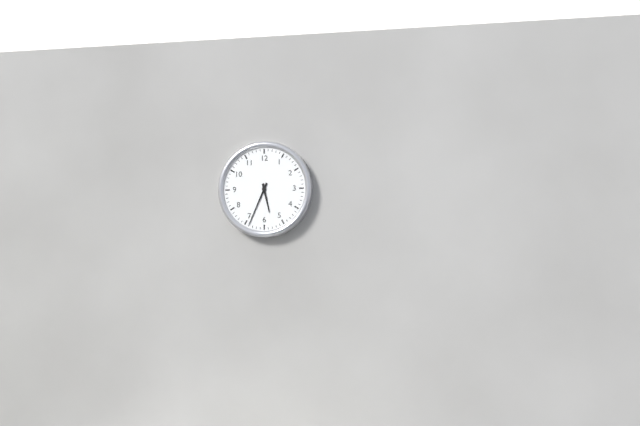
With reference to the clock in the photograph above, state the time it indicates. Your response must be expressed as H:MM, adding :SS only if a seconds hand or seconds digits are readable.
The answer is 5:34
